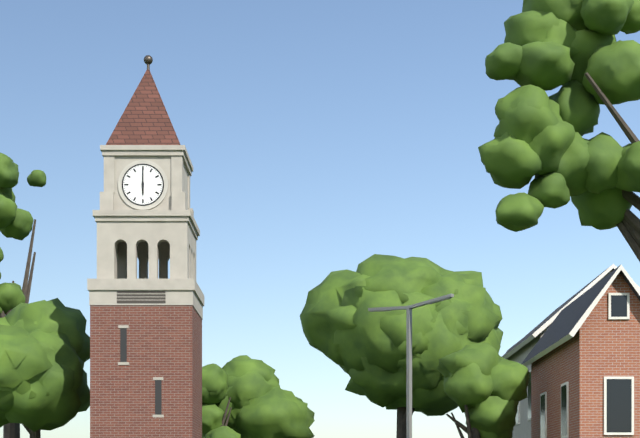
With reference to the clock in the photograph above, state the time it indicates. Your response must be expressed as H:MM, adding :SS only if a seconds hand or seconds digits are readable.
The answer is 6:00
